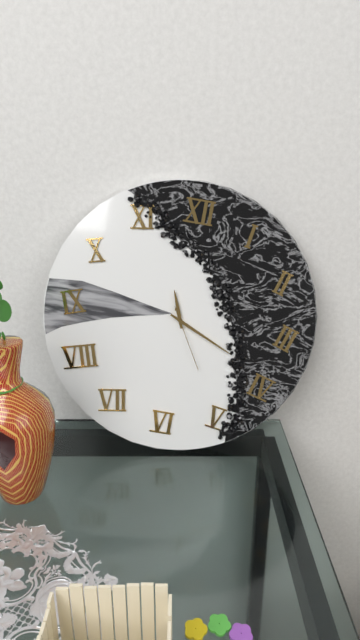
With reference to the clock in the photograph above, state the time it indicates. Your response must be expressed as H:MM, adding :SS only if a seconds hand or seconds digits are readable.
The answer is 11:19:25
